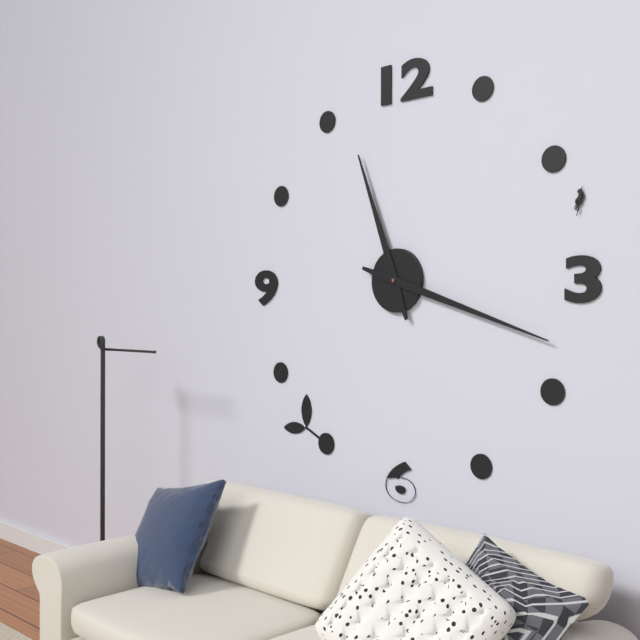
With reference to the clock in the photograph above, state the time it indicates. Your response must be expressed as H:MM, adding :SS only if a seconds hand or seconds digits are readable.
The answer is 11:18
